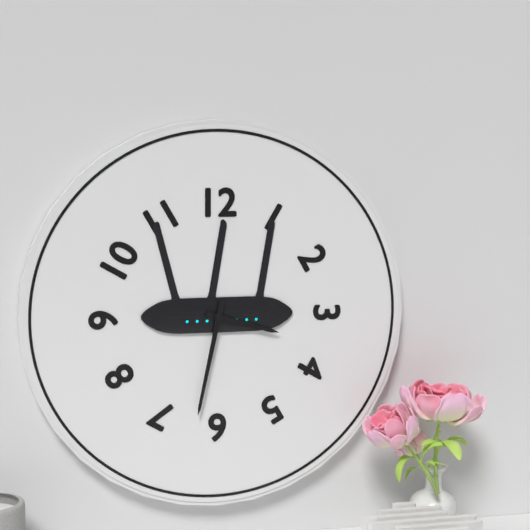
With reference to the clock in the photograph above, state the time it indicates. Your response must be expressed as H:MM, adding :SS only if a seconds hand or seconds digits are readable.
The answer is 3:32
